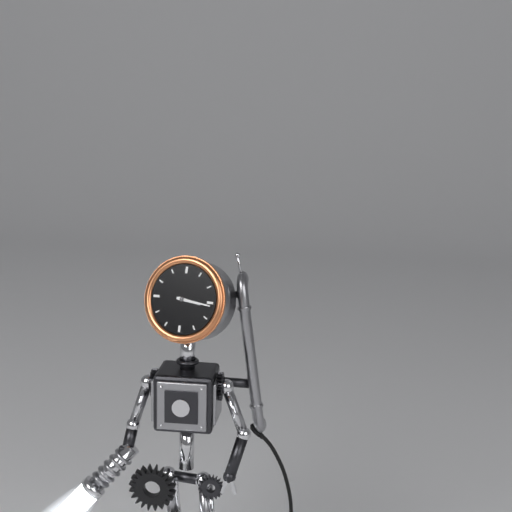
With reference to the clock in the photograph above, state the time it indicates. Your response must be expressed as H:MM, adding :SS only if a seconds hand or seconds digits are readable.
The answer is 3:16
